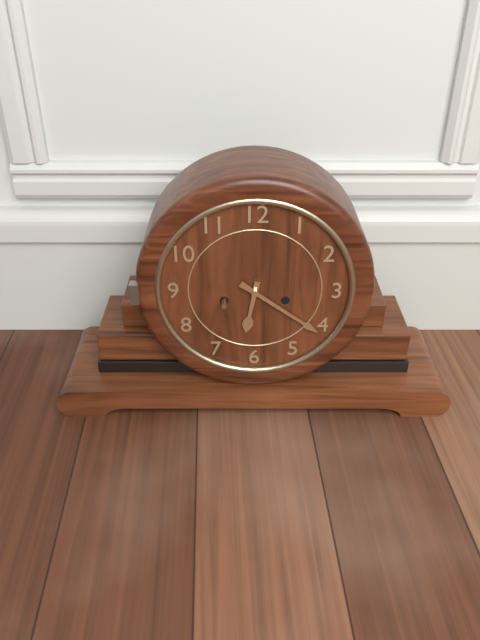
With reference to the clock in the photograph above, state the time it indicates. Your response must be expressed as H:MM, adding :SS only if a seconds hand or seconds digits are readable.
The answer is 6:21
